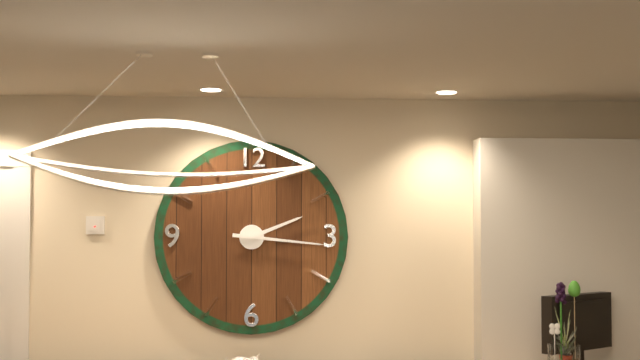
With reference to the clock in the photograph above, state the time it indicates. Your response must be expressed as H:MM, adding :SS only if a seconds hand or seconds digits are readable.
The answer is 2:16
